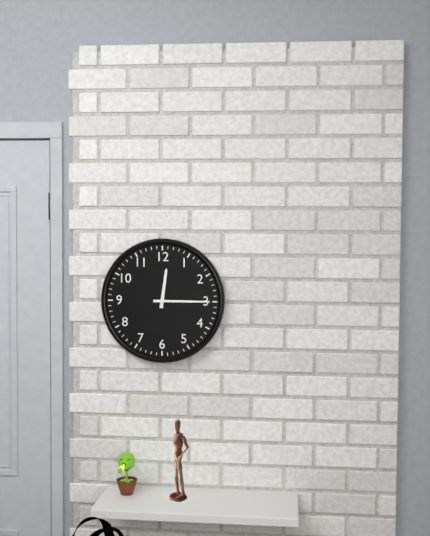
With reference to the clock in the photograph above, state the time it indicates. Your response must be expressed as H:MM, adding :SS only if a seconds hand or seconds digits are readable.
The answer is 12:15
